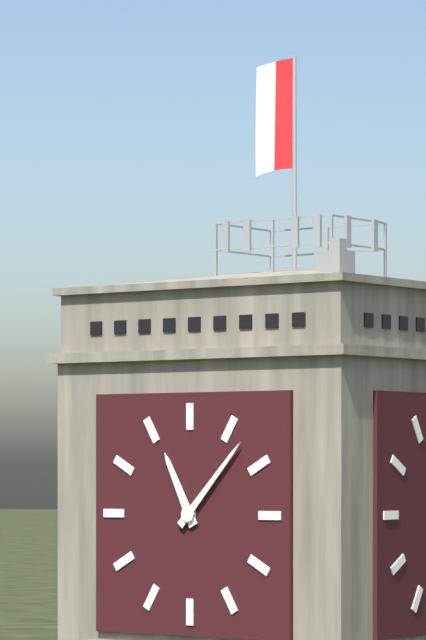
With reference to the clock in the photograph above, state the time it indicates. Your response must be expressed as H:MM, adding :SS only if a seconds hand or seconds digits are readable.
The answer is 11:07
